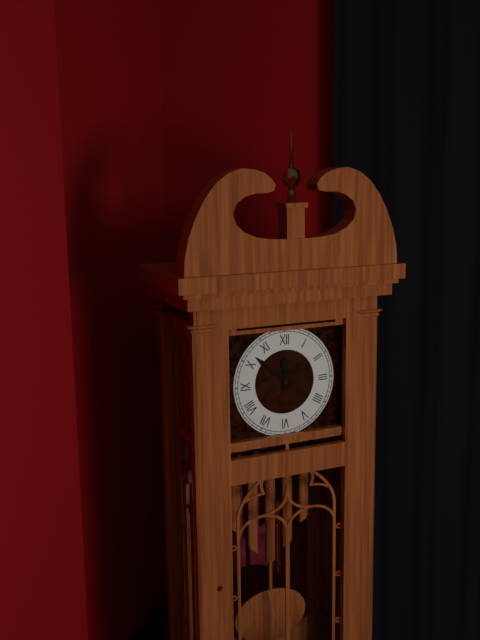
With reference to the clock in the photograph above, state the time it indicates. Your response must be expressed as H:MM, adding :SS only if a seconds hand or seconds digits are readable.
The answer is 11:52
